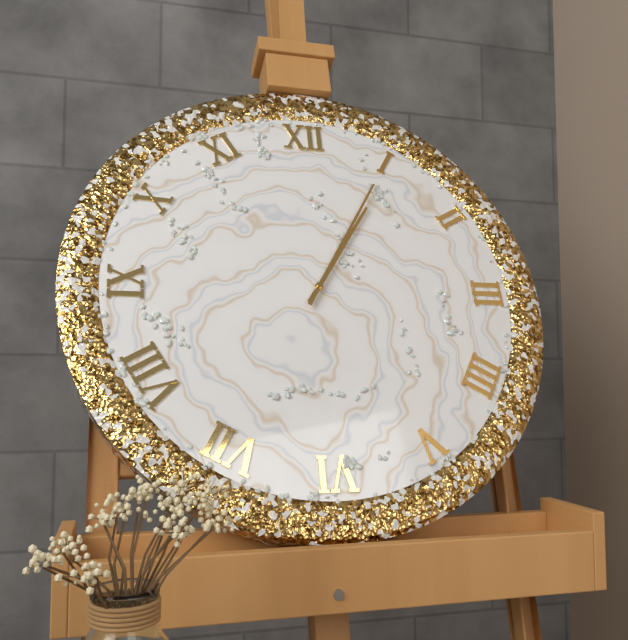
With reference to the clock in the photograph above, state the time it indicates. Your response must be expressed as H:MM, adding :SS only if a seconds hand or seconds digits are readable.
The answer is 1:05
